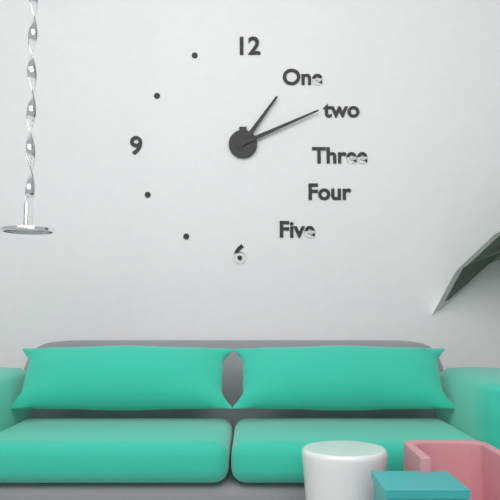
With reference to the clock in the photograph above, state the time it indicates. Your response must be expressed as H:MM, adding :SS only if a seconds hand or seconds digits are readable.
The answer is 1:11
